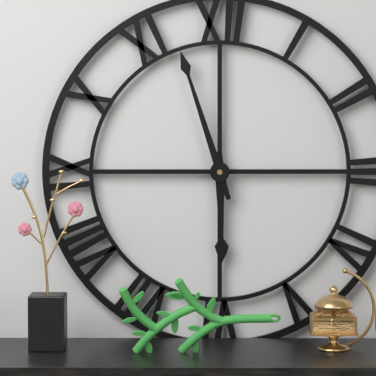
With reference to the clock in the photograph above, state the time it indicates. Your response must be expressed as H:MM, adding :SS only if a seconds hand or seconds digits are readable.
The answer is 5:57
